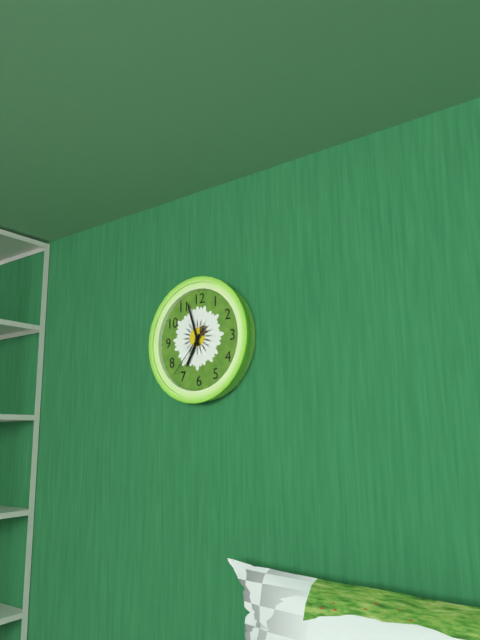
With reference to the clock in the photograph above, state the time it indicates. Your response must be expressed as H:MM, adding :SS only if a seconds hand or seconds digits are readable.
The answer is 6:57:37
